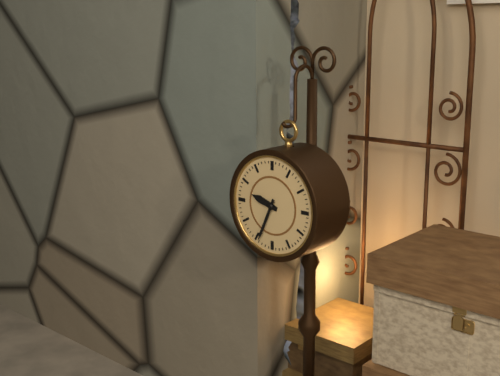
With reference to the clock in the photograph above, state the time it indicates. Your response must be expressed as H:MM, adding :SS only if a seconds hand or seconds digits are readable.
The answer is 9:34
